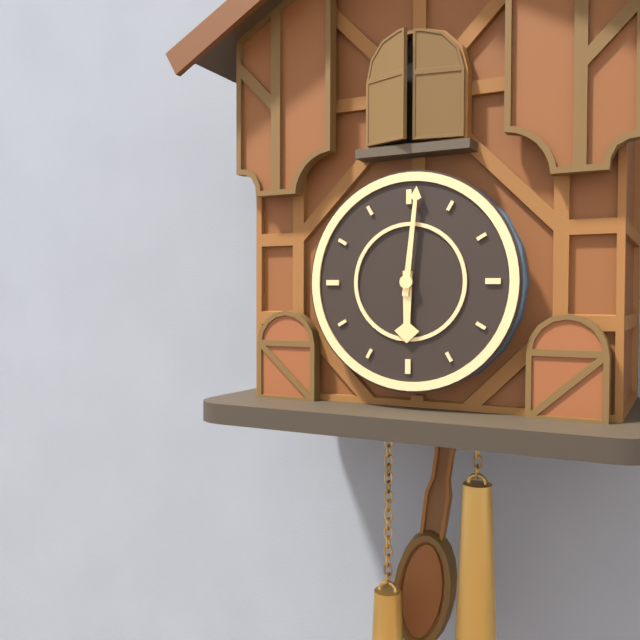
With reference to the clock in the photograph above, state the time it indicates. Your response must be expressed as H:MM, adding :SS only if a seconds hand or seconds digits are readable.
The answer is 6:01
